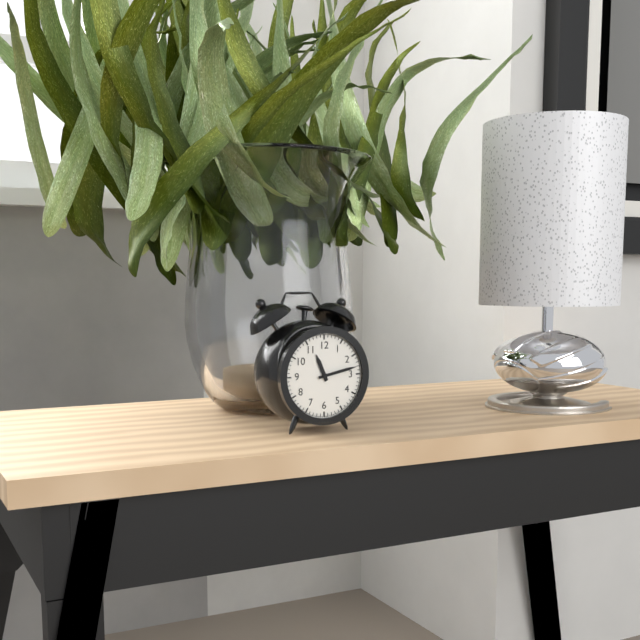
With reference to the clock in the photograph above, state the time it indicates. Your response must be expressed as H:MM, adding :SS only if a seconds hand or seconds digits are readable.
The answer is 11:13
